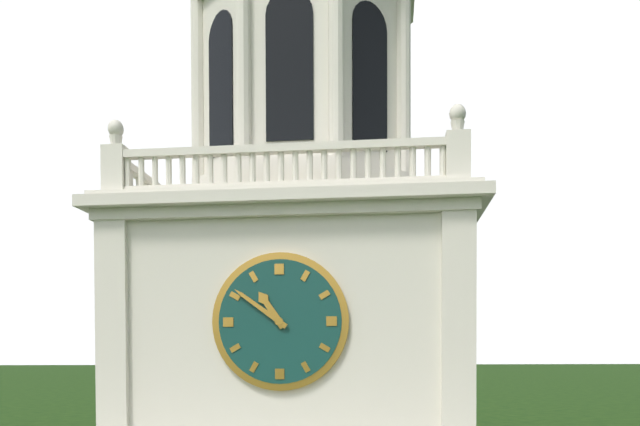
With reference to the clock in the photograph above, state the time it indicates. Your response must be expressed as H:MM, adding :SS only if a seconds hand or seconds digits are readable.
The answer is 10:51
